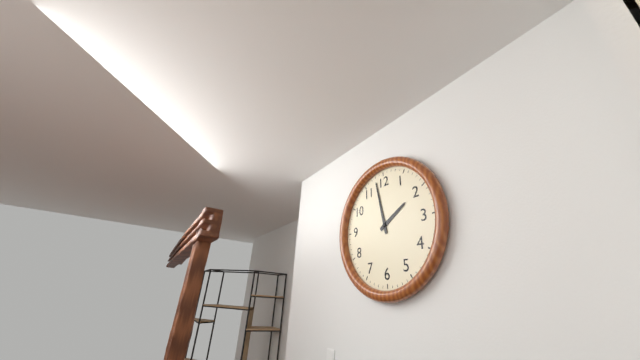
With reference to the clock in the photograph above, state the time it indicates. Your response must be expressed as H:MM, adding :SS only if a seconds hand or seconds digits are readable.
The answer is 1:58
